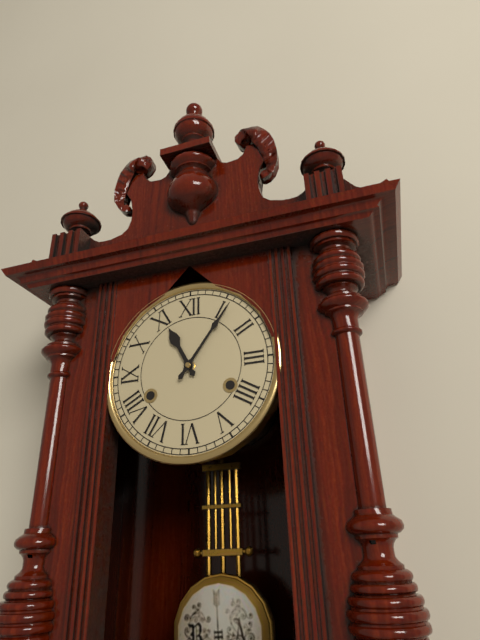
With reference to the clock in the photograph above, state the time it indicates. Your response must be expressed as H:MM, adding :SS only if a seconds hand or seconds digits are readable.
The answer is 11:06
